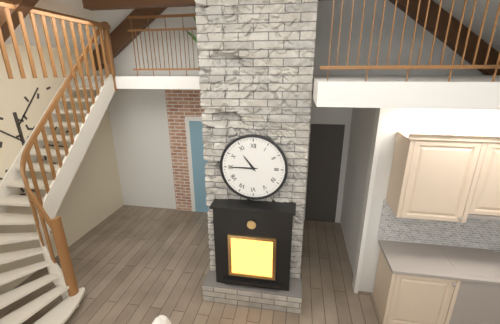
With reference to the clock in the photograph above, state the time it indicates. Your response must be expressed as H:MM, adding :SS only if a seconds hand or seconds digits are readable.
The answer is 10:45
